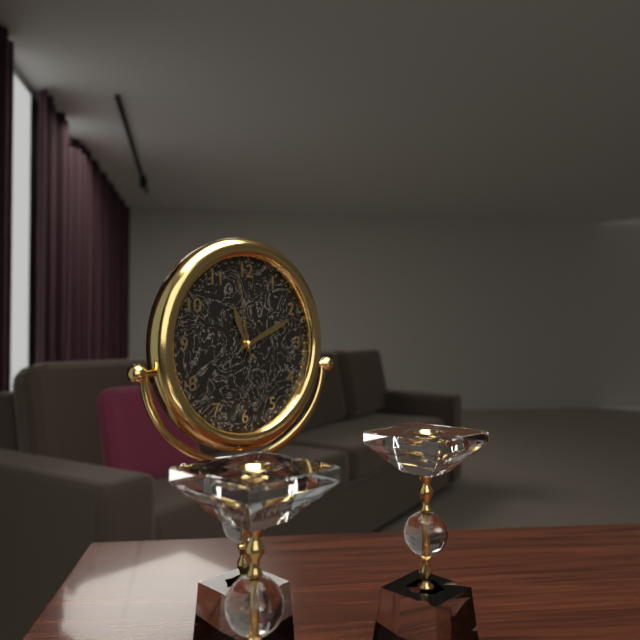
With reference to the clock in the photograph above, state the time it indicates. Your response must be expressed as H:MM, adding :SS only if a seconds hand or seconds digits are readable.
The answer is 11:11:58
